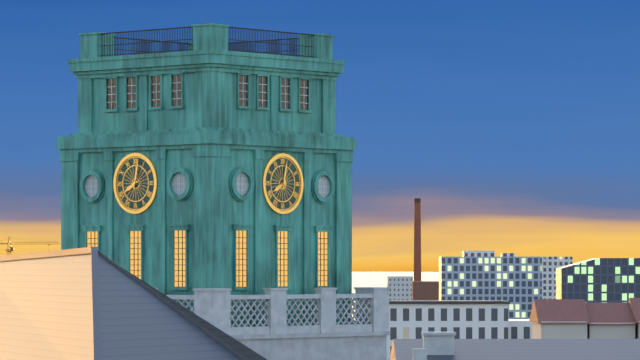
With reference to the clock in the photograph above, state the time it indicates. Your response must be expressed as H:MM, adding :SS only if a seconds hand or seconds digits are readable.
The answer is 8:02
